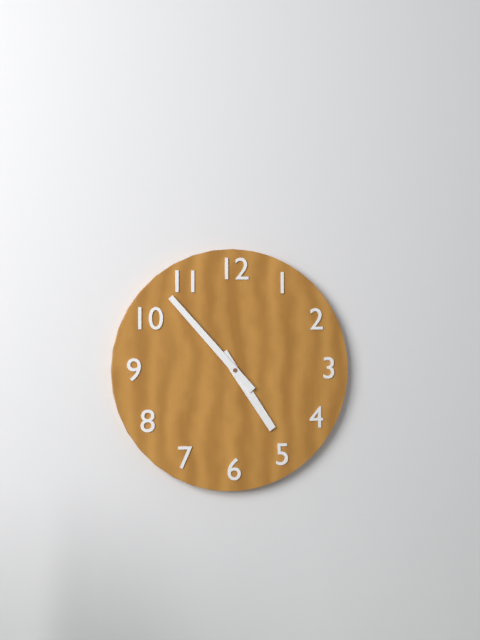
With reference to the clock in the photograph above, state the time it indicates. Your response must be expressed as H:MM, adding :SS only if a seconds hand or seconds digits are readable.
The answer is 4:53
